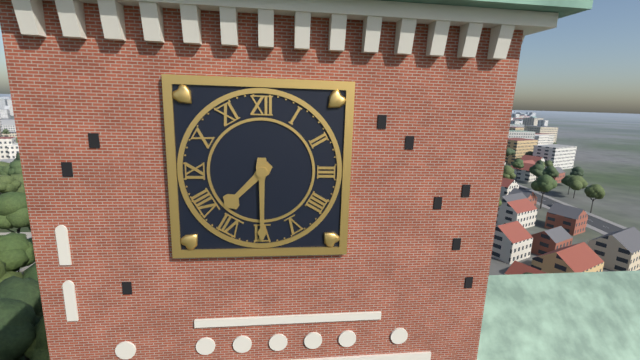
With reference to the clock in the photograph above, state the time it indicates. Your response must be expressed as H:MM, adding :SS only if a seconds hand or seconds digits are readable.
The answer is 7:30
